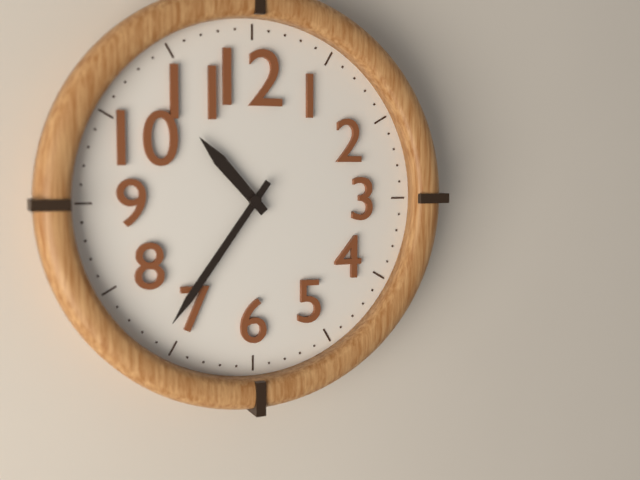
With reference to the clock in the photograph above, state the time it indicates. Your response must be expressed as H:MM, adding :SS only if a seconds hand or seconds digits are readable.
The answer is 10:36
